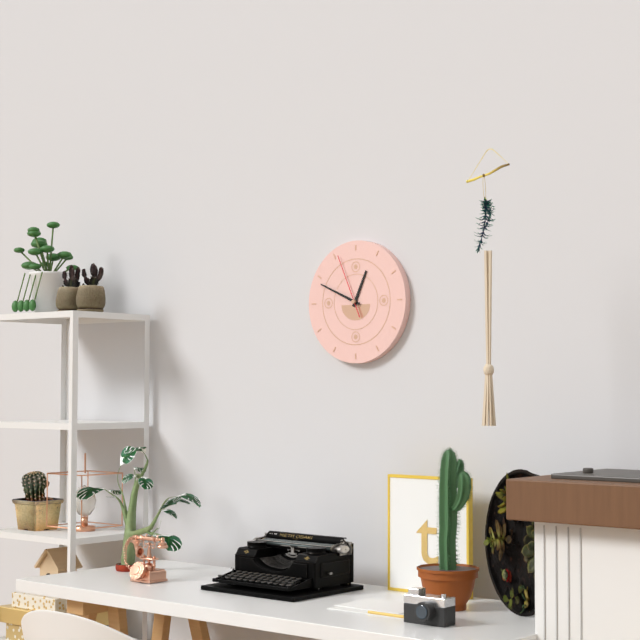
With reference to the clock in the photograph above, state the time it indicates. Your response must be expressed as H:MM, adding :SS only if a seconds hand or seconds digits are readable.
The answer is 12:49:56
